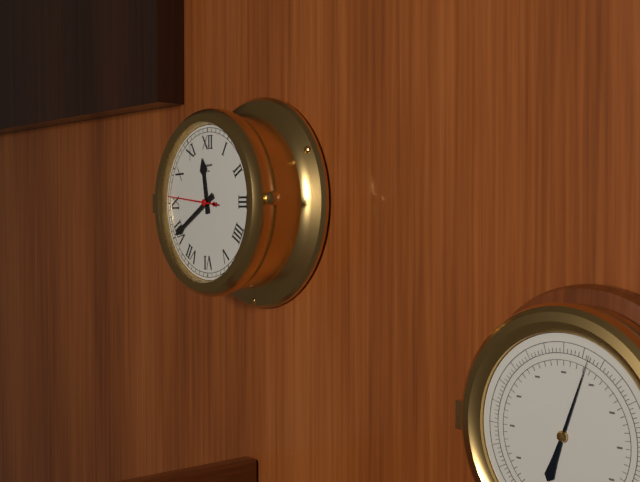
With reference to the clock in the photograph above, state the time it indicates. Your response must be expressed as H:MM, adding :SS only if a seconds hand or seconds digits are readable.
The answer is 11:40:46
